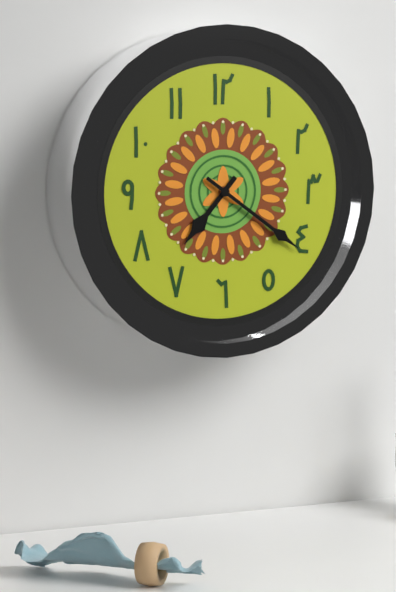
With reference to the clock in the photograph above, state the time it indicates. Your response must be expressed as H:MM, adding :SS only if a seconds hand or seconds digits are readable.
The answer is 7:21
